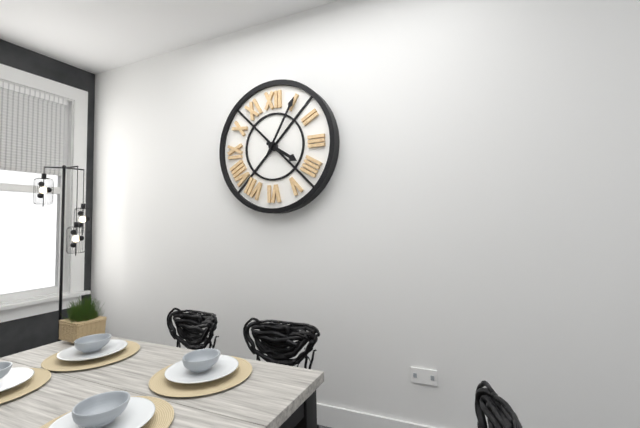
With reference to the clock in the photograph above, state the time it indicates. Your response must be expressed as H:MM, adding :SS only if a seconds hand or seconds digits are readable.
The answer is 4:05
